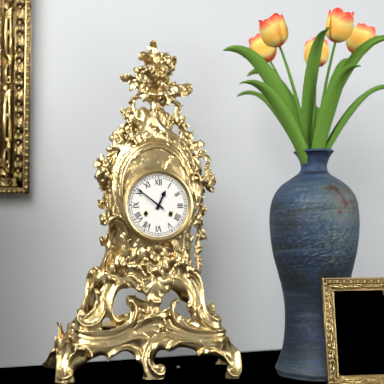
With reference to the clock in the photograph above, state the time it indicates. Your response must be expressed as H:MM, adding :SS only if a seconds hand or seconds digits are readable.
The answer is 12:51
